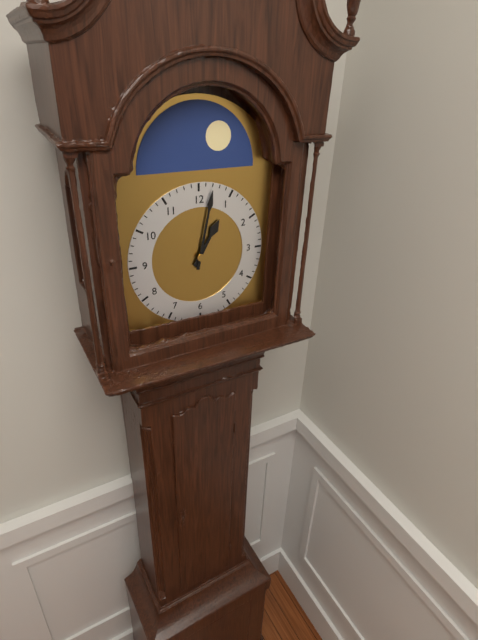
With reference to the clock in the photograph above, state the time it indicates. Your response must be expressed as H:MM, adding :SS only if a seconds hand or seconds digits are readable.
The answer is 1:02
